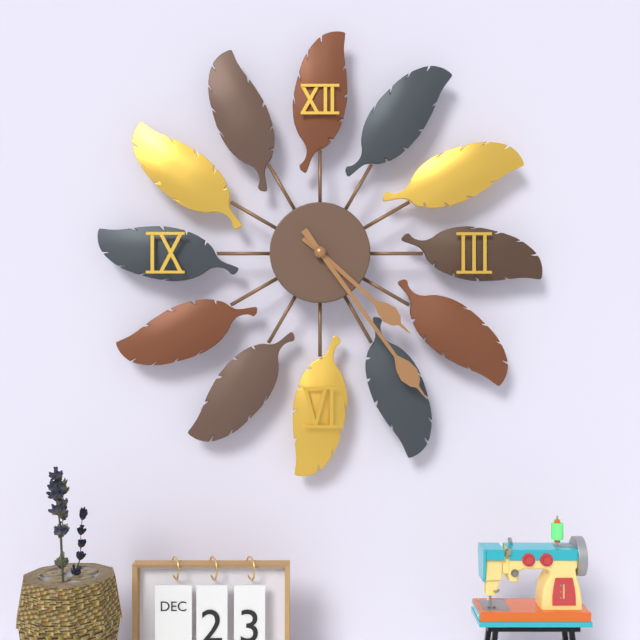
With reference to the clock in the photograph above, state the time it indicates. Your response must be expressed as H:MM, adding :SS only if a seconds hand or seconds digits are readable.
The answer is 4:24
